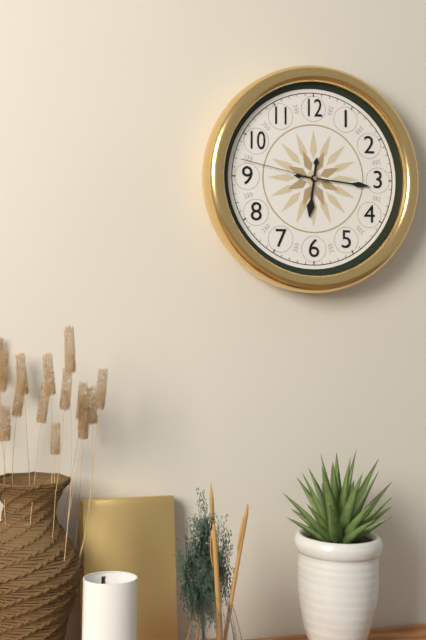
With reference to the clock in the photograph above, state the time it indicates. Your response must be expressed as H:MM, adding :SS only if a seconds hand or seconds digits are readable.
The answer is 6:16:47
